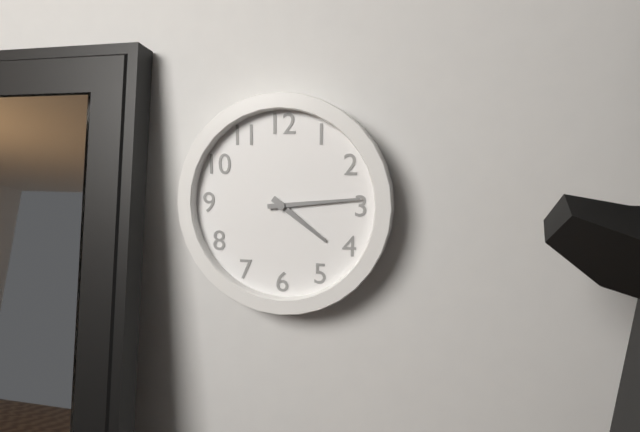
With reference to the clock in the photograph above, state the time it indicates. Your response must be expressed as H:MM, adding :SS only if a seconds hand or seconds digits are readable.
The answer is 4:14
